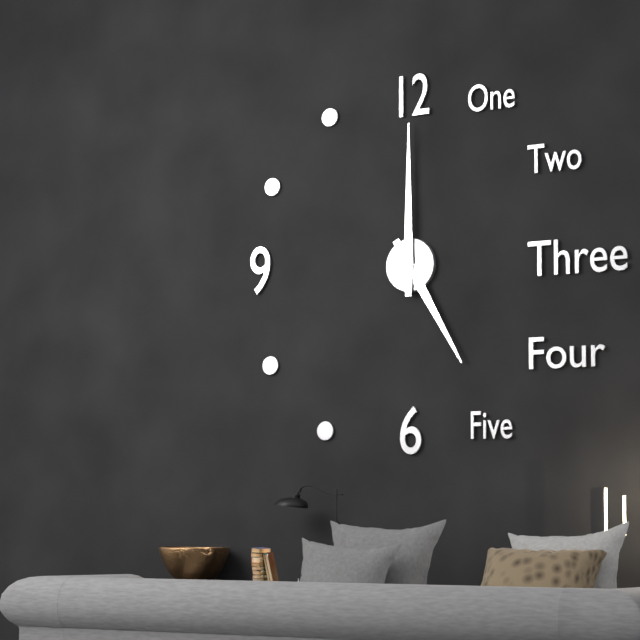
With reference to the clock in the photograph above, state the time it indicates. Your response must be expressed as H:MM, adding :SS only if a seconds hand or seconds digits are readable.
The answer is 5:00
